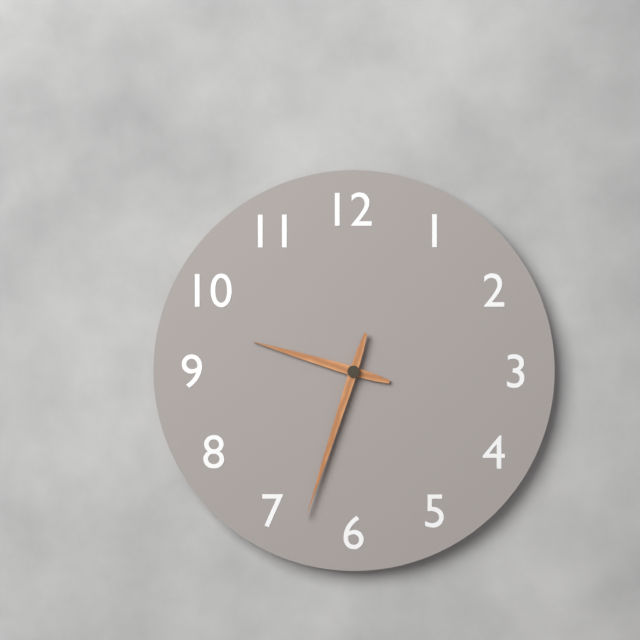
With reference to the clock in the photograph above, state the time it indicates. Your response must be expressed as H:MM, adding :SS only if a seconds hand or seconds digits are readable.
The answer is 9:33
